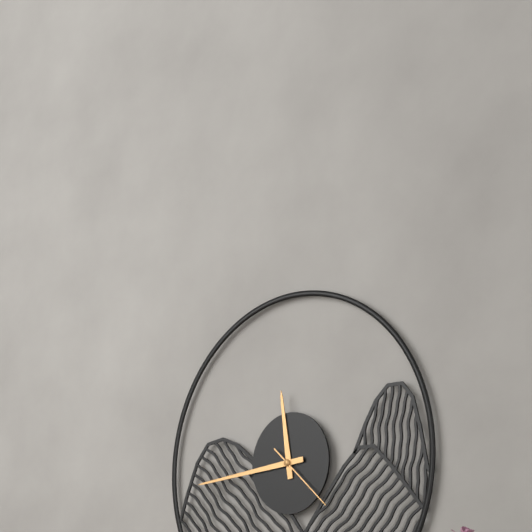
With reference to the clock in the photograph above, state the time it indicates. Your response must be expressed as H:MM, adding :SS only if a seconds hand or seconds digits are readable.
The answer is 11:44:22
